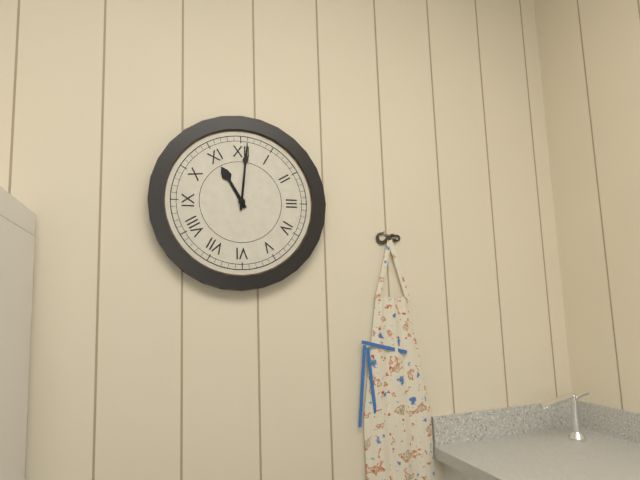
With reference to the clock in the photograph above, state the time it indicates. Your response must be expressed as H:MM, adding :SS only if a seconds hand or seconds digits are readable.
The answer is 11:01
